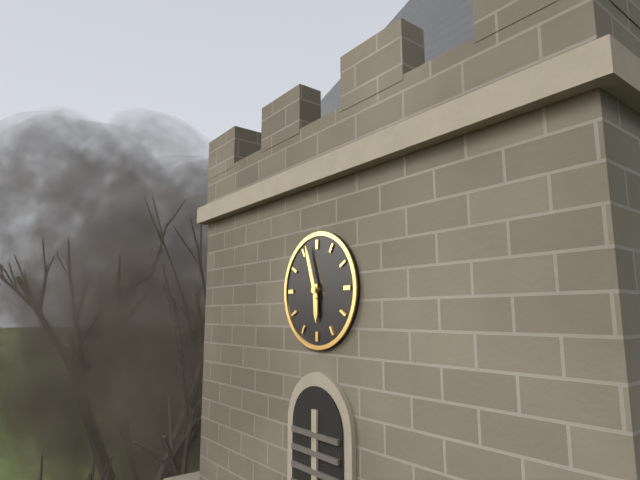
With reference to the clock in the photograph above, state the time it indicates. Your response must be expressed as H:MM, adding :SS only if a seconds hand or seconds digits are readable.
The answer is 5:57
